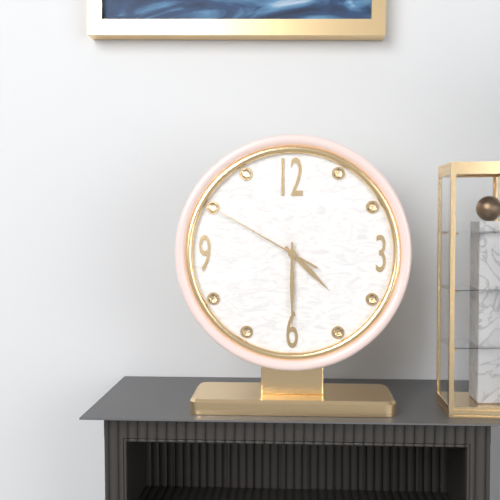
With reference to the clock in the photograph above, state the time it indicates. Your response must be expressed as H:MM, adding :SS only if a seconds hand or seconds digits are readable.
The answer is 4:30:50
